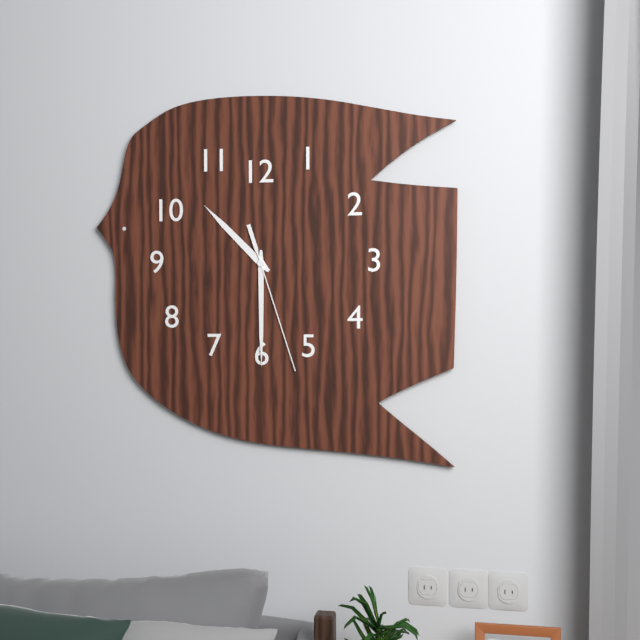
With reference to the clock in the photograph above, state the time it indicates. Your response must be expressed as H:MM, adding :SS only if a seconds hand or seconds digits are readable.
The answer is 10:30:27
